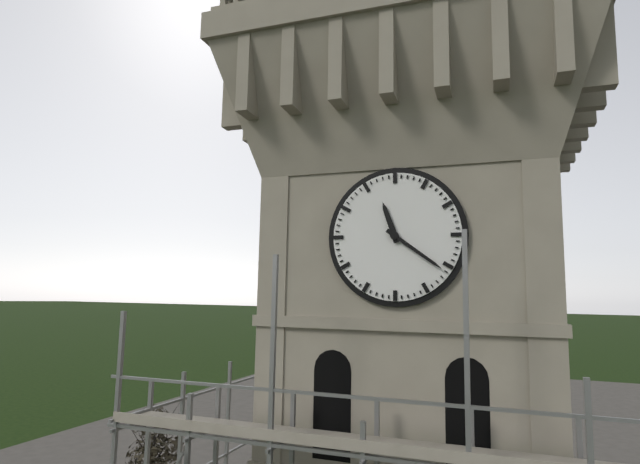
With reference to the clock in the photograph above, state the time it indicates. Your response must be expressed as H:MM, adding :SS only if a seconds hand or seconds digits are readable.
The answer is 11:21
